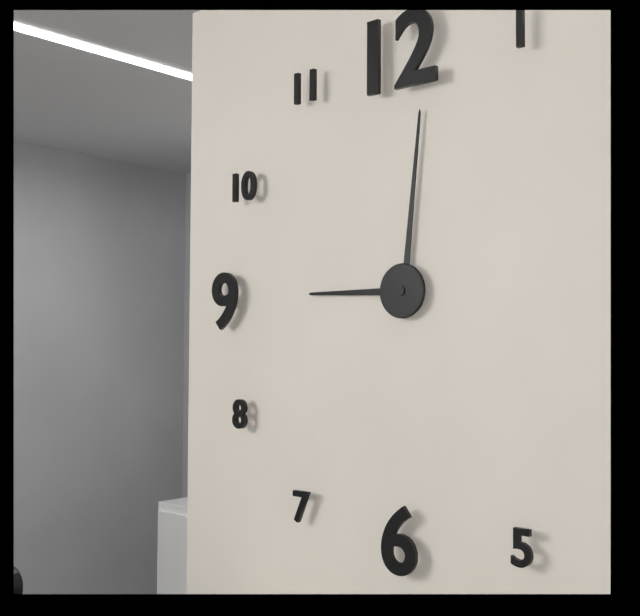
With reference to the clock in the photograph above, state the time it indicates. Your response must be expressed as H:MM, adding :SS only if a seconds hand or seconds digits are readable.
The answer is 9:01
